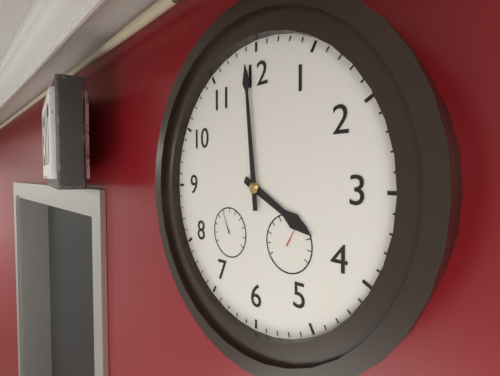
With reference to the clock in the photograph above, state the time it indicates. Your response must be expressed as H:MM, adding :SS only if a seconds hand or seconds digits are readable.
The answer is 3:59
